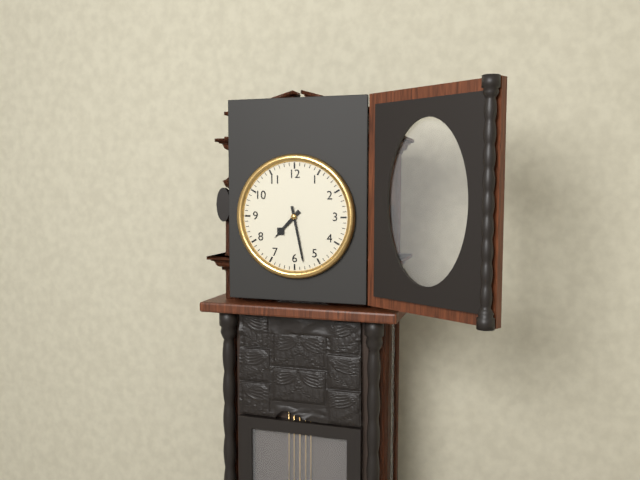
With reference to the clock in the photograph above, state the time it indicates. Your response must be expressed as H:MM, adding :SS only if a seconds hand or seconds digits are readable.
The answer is 7:28
